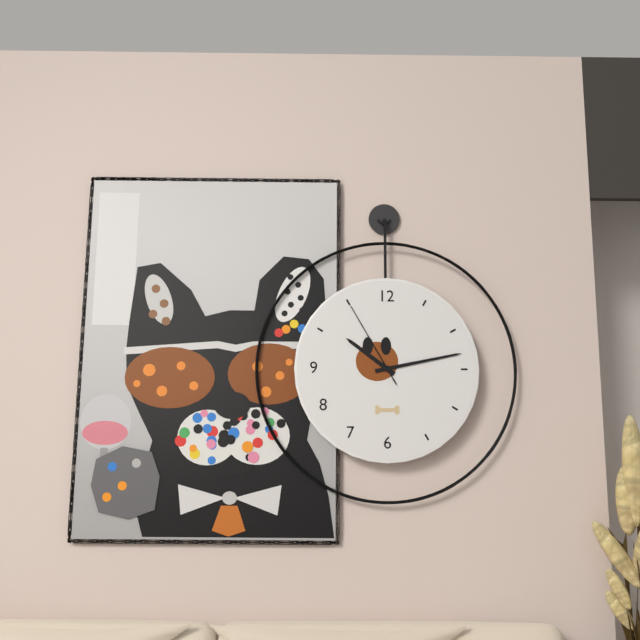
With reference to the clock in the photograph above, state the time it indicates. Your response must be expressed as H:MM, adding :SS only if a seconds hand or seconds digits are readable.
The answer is 10:13:55
